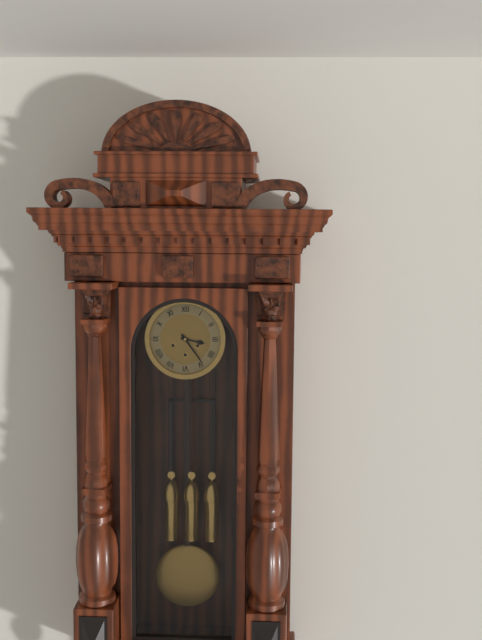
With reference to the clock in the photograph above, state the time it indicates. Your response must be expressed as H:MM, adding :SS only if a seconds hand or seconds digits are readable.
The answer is 3:24
